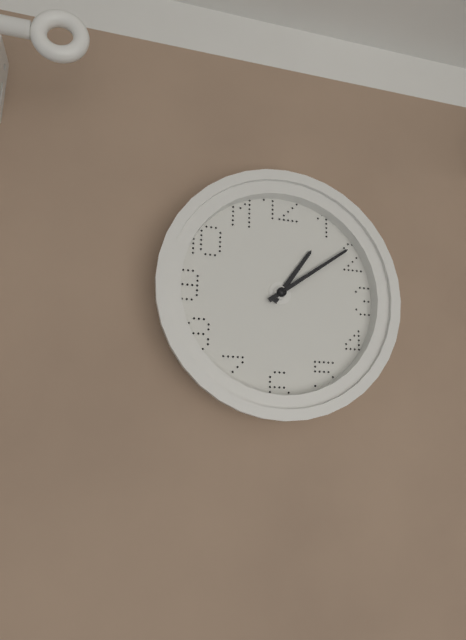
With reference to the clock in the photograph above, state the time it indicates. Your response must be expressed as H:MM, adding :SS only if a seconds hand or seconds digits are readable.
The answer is 1:09
